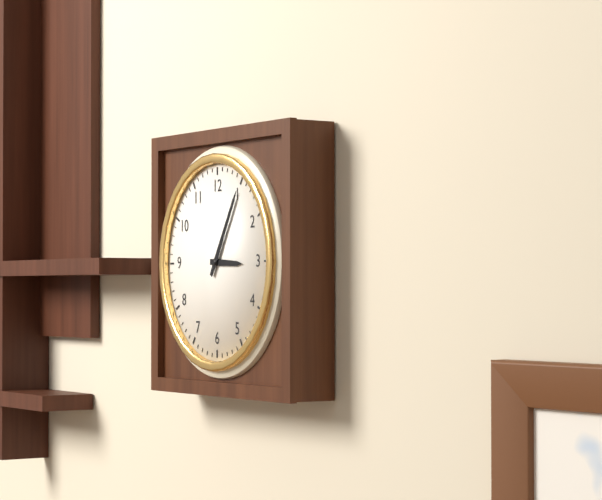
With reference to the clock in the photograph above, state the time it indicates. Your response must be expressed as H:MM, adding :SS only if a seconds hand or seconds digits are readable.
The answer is 3:05
